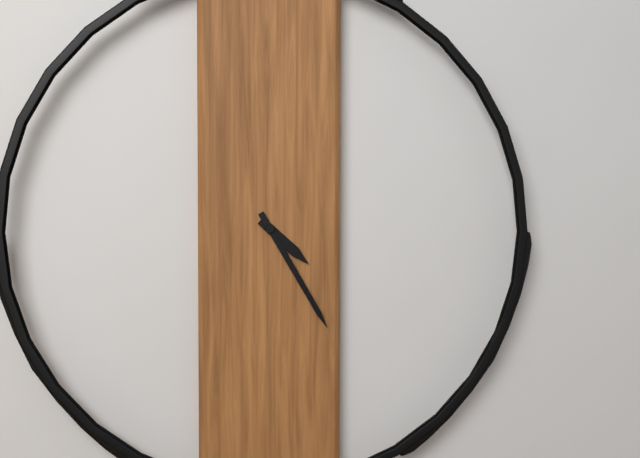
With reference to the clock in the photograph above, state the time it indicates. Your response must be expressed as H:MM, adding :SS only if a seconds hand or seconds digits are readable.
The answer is 4:25
